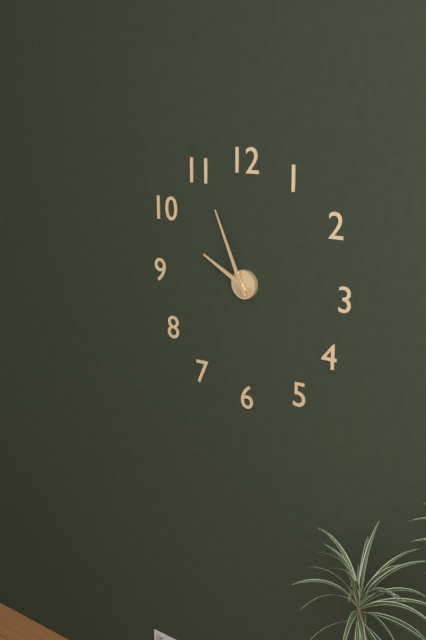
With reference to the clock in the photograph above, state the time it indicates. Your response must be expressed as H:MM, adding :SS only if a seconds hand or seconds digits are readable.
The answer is 9:56
